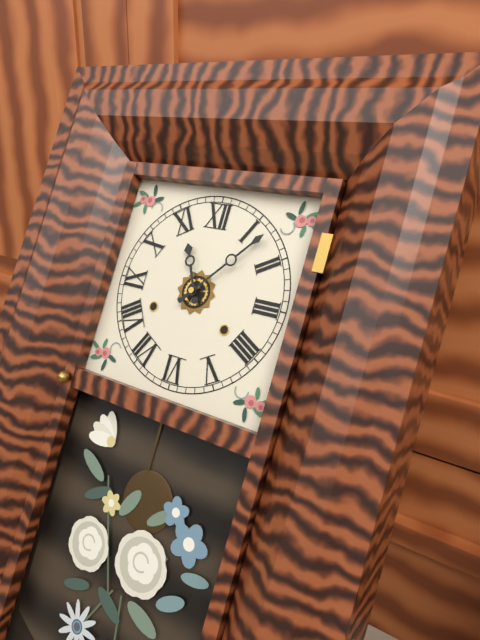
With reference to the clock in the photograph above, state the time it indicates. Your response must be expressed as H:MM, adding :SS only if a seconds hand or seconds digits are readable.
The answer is 11:07
